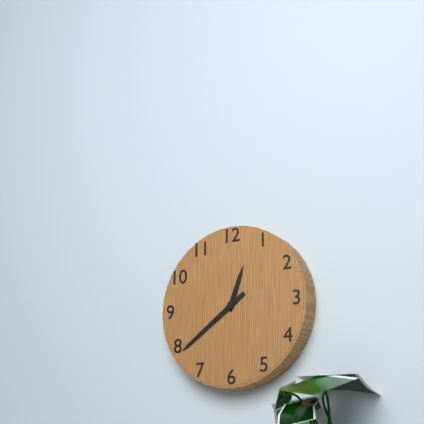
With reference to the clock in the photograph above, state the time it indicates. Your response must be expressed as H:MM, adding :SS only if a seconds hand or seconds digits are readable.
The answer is 12:39
